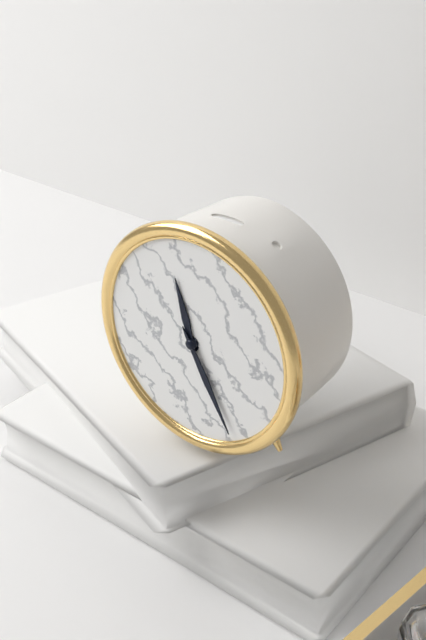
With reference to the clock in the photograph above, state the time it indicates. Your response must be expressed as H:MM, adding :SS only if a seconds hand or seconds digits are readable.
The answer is 11:25
